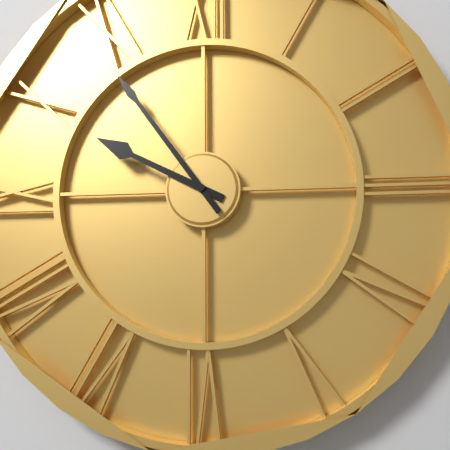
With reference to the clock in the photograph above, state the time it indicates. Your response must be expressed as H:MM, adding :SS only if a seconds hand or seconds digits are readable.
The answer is 9:54
